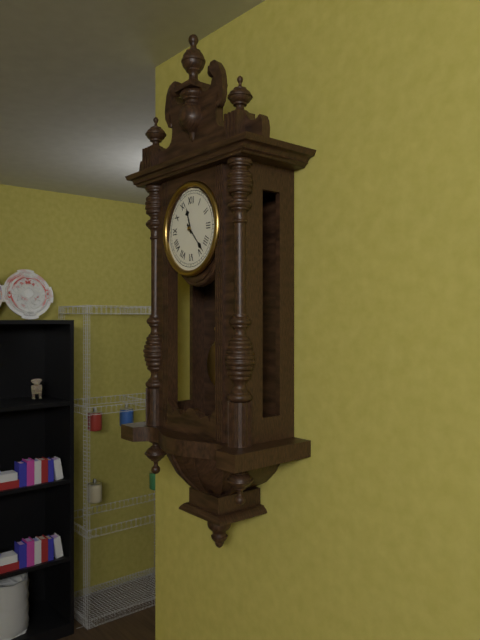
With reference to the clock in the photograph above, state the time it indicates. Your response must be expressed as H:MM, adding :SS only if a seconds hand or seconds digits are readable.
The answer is 11:23
